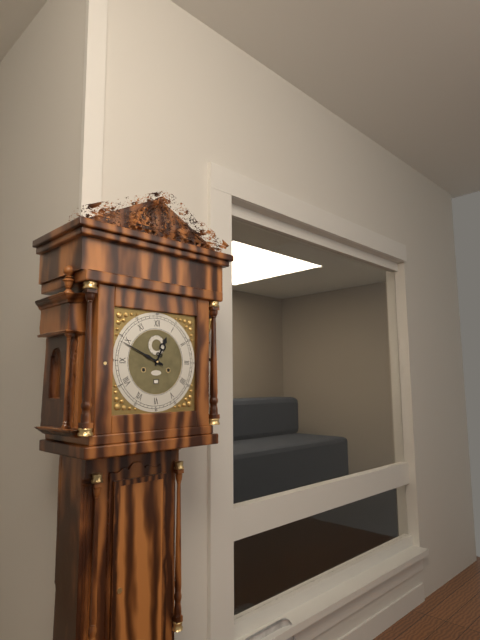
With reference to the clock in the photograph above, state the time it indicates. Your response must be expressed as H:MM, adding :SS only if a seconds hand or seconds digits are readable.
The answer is 12:49
